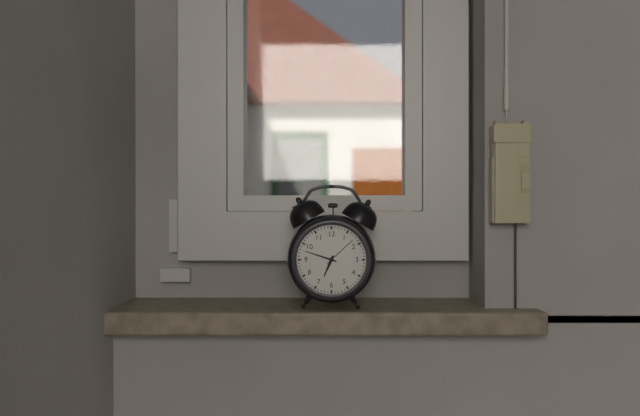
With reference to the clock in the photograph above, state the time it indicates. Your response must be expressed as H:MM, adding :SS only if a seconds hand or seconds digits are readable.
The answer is 6:48
